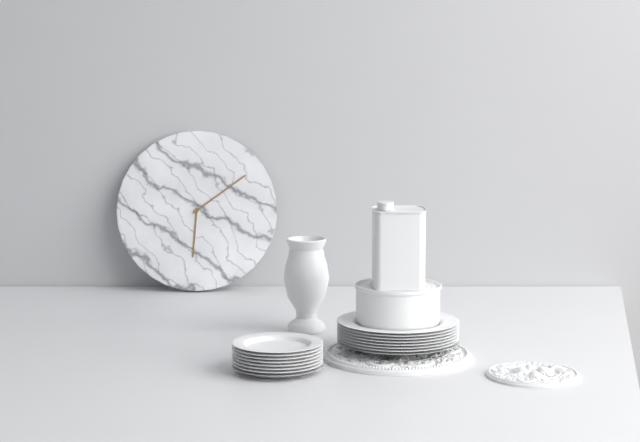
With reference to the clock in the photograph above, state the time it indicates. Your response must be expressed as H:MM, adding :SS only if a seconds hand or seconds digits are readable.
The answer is 6:09
